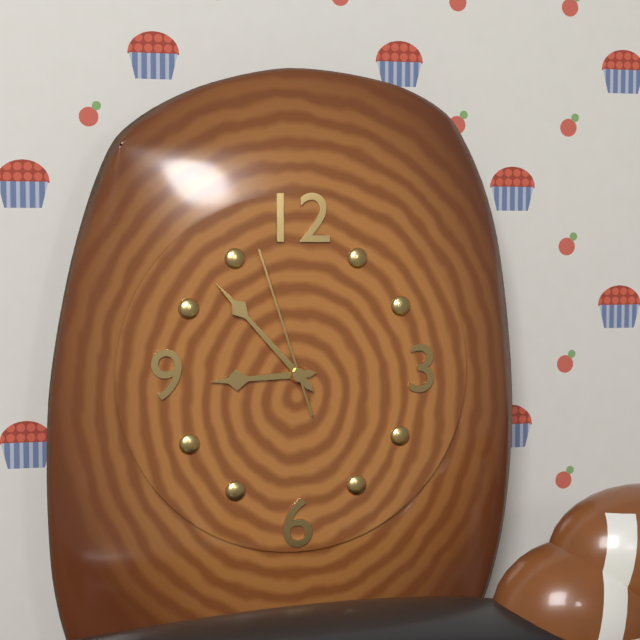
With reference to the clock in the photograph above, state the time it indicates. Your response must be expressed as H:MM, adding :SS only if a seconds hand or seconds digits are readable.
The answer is 8:53:57
